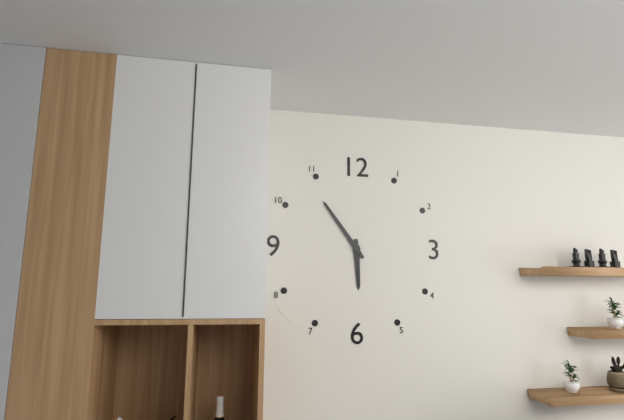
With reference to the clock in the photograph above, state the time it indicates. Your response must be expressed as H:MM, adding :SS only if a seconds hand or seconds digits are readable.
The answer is 5:54
